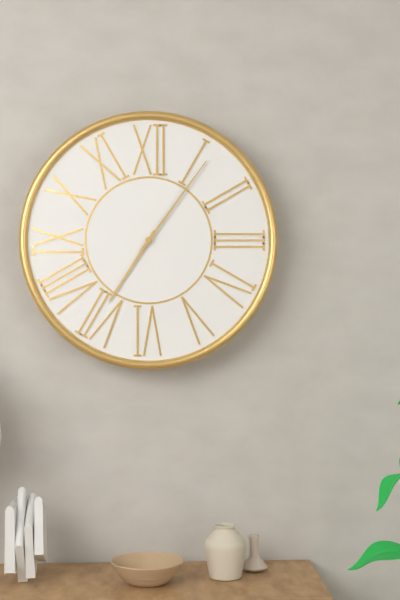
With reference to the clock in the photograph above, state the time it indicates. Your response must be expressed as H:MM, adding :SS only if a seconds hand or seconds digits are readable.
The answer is 7:06
